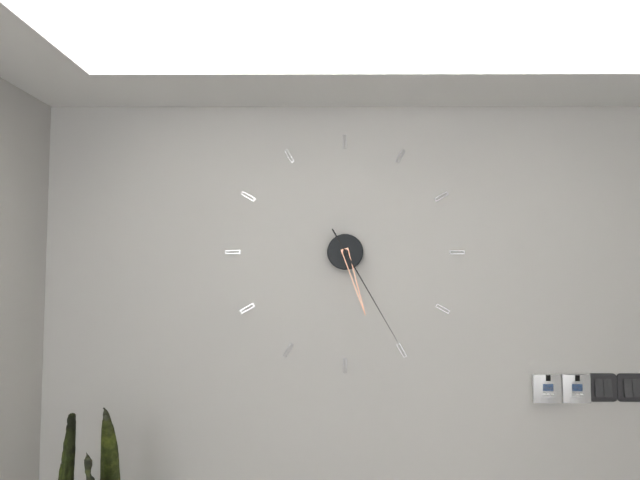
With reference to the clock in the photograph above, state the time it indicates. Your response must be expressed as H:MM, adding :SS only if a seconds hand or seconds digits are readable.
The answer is 5:25
